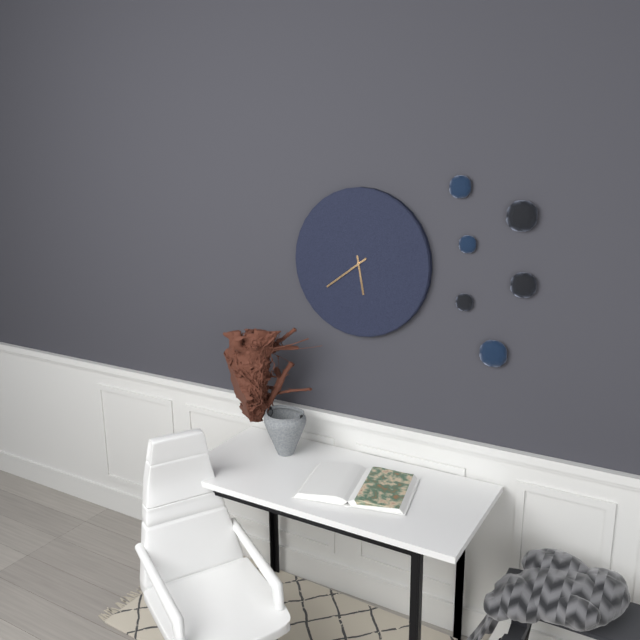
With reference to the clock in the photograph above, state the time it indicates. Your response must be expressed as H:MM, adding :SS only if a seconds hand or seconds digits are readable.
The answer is 5:39
